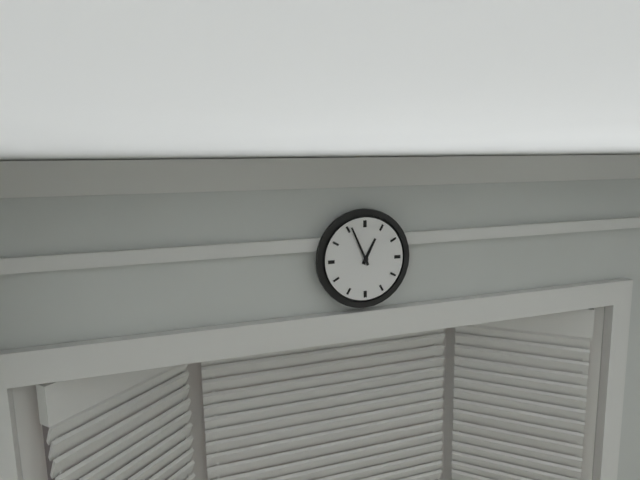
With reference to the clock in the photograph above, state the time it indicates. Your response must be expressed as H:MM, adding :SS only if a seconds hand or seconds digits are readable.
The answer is 12:56
